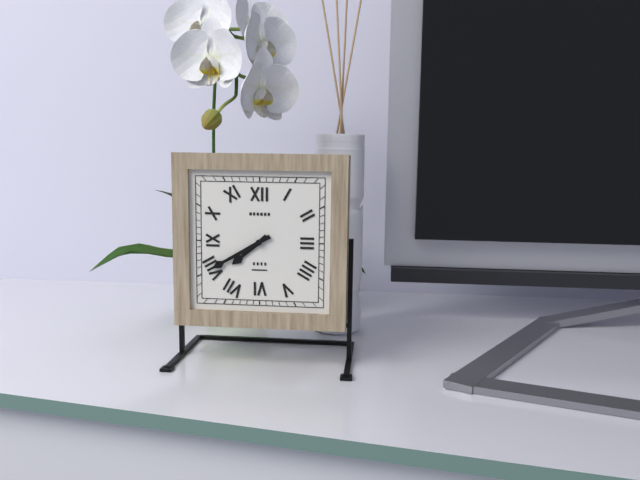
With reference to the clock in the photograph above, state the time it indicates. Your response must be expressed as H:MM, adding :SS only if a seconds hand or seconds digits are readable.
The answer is 7:40
